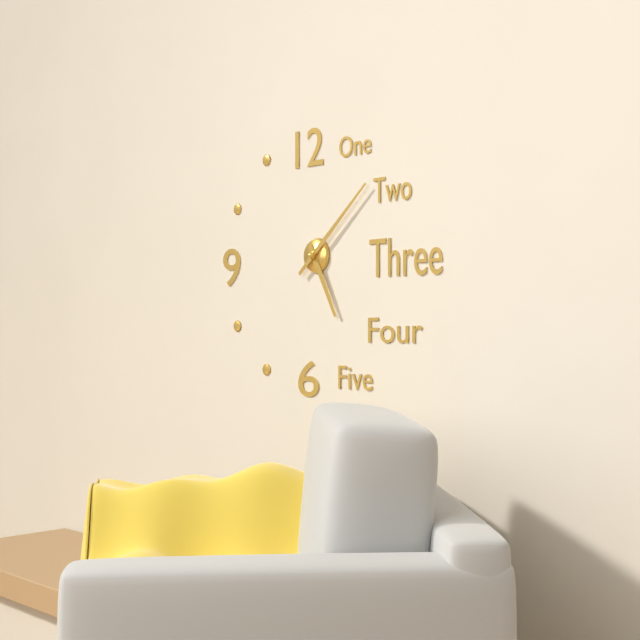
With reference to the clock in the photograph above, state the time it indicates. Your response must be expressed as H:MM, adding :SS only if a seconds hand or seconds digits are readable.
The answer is 5:08
